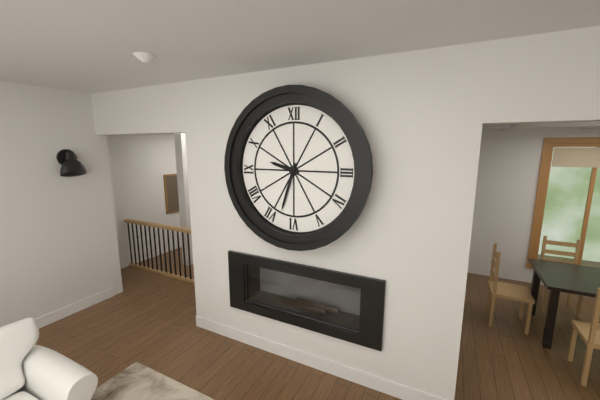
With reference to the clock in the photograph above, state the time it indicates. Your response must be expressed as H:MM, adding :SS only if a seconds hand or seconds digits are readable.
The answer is 9:33
